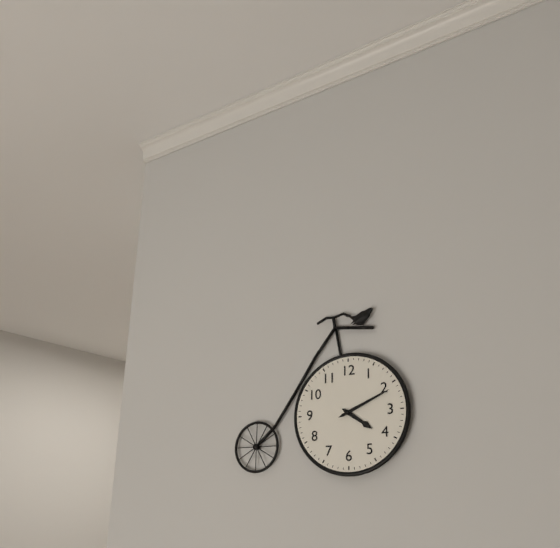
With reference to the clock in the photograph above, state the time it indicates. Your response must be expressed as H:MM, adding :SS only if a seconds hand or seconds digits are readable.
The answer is 4:11
